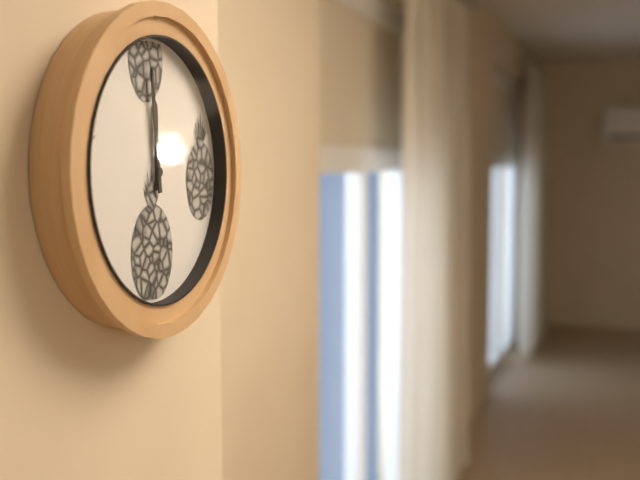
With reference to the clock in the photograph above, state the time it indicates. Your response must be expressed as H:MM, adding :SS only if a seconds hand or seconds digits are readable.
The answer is 11:59
